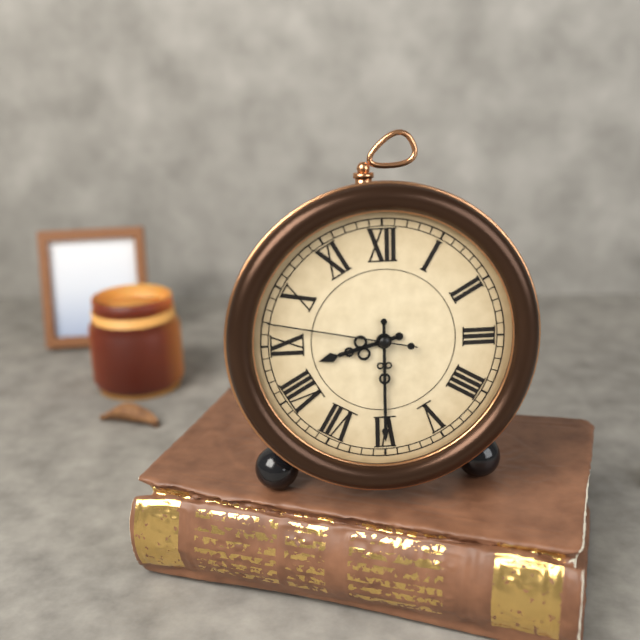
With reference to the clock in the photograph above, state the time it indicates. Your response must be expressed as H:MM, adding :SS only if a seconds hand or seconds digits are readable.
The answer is 8:30:47
